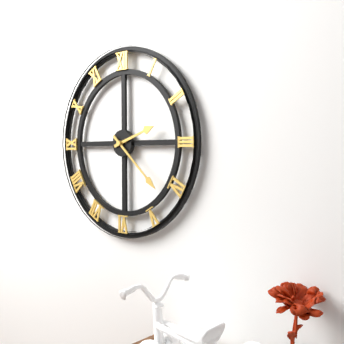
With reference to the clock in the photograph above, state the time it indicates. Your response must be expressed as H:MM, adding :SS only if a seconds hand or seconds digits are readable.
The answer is 2:22
